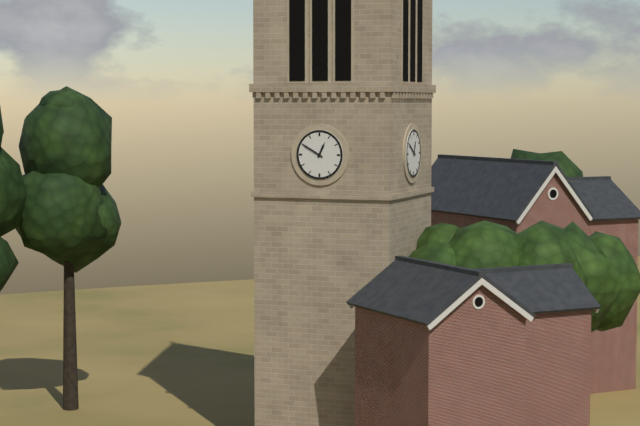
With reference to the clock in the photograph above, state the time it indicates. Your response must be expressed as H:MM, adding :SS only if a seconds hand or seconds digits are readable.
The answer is 12:50
